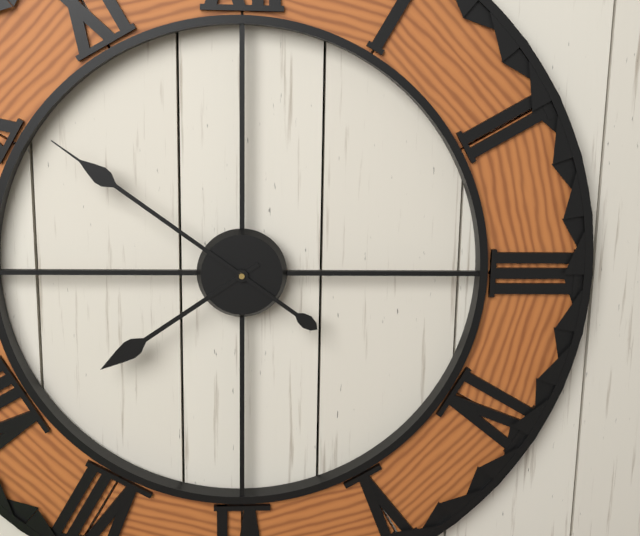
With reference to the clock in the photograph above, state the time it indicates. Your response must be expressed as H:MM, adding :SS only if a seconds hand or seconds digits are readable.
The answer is 7:51
